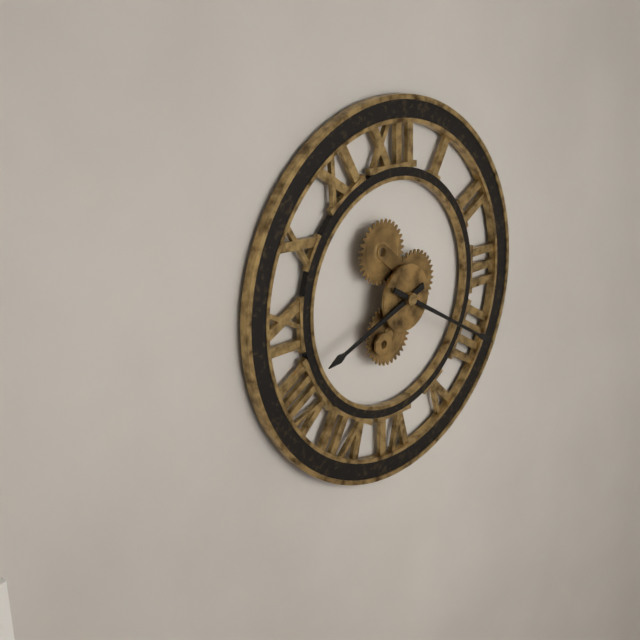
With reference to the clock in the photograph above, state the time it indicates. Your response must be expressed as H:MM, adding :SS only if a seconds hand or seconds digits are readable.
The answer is 8:20
